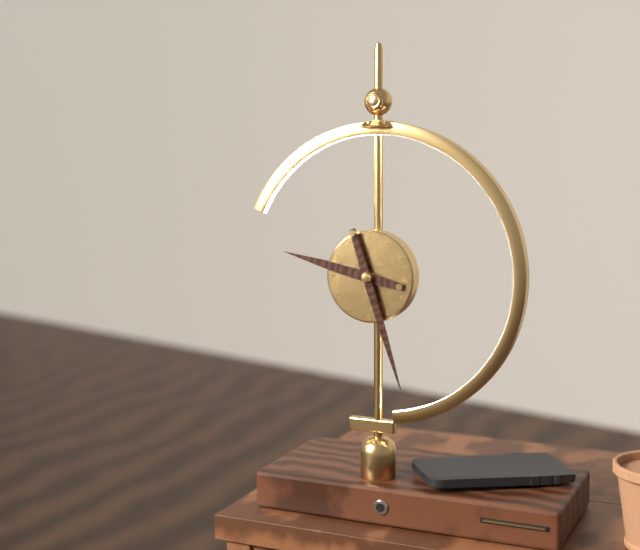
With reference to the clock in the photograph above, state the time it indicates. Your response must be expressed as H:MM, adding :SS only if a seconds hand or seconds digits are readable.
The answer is 9:27
